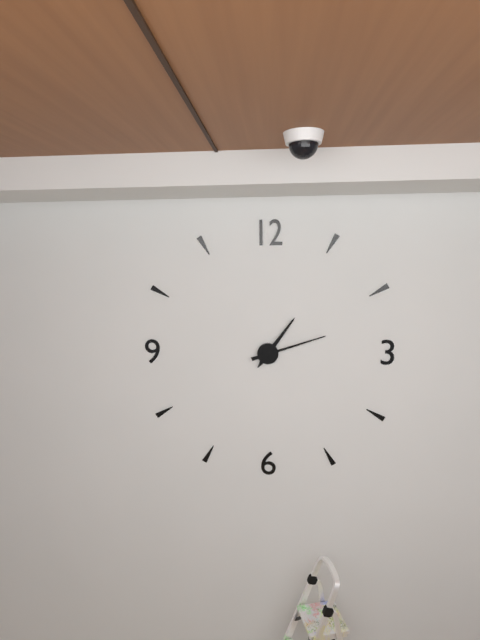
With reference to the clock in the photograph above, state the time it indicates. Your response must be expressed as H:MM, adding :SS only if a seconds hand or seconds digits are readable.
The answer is 1:12
